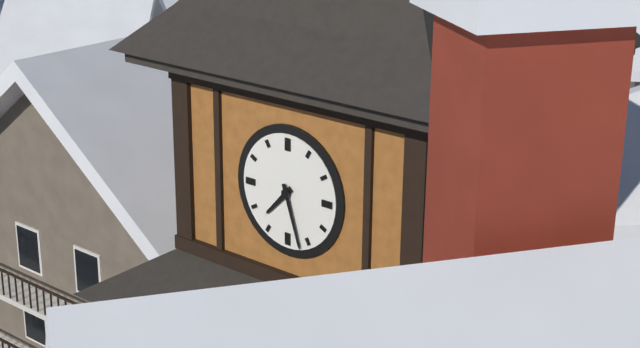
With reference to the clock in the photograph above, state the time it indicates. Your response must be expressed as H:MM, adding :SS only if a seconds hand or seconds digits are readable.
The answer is 7:27
